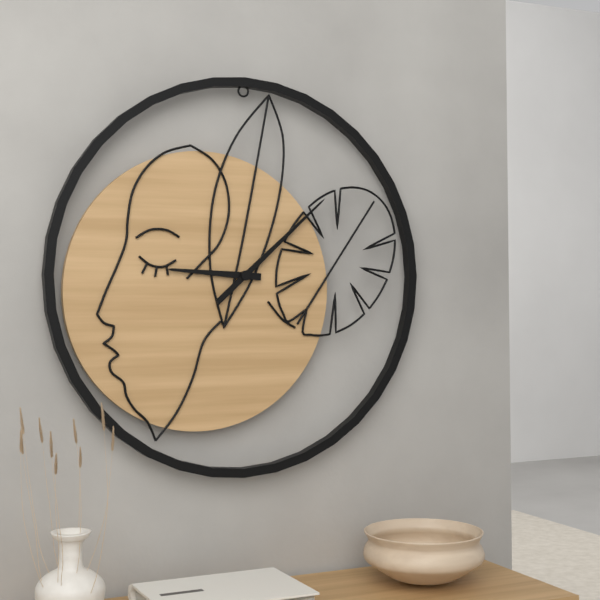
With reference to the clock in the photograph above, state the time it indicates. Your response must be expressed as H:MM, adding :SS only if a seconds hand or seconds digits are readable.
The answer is 9:08
